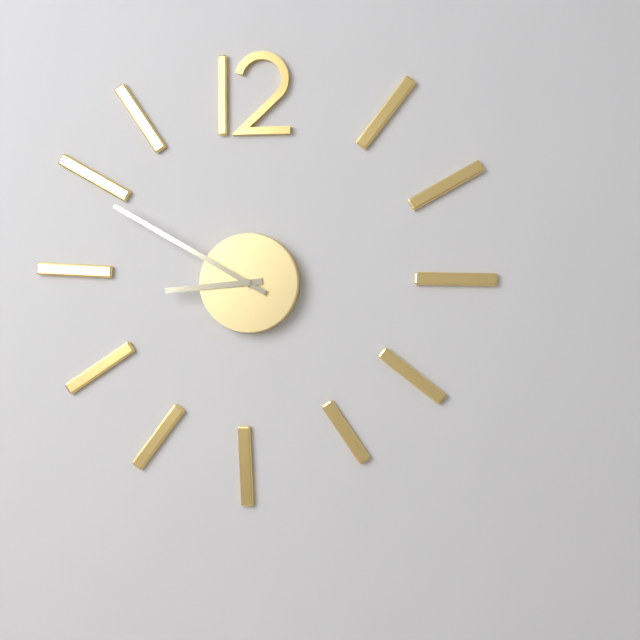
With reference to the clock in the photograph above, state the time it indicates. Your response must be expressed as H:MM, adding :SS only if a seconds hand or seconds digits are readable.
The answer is 8:50
